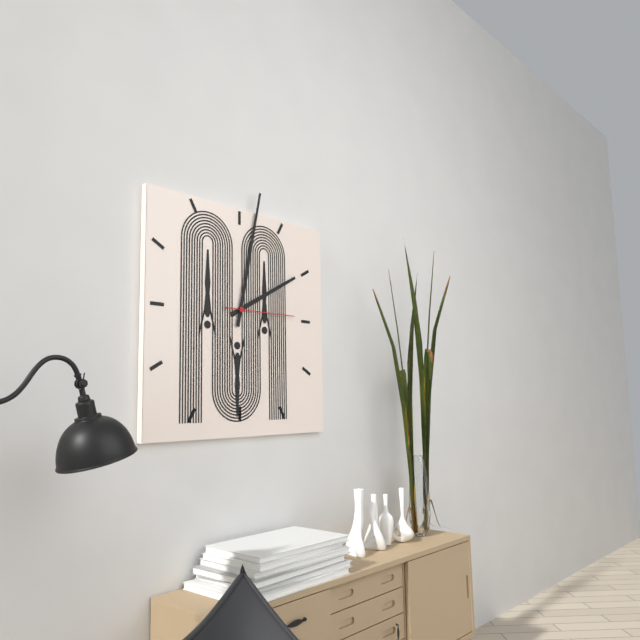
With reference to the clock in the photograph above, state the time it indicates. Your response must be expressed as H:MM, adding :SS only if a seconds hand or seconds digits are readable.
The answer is 2:02:15
